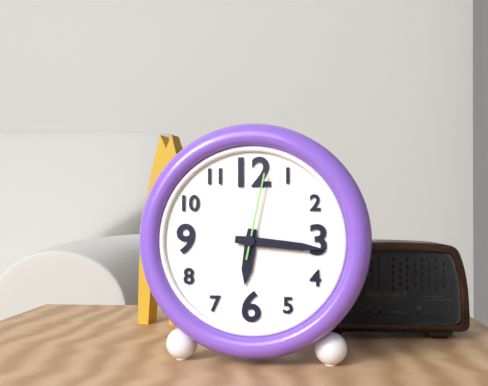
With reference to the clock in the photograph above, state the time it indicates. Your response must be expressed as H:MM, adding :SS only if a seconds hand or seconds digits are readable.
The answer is 6:16:02
